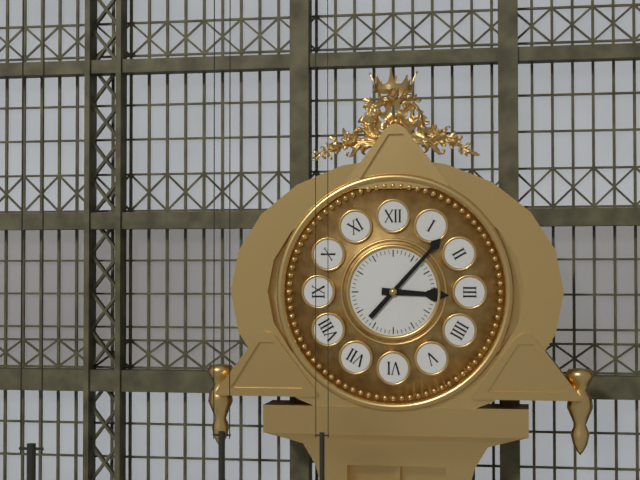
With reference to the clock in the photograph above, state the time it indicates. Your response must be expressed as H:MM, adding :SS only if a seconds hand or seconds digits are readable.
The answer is 3:07
